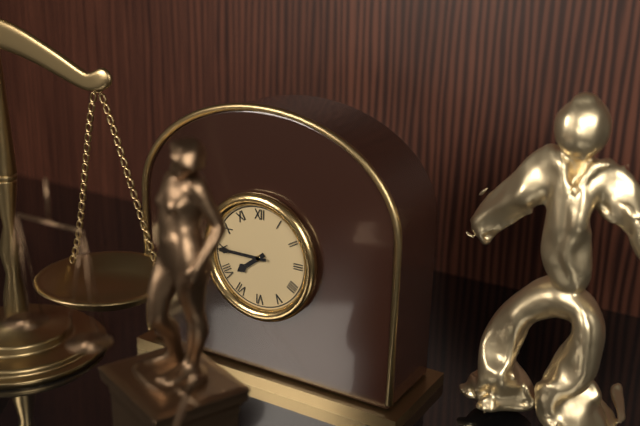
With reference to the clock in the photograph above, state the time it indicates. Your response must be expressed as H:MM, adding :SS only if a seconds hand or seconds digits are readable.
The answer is 7:45
